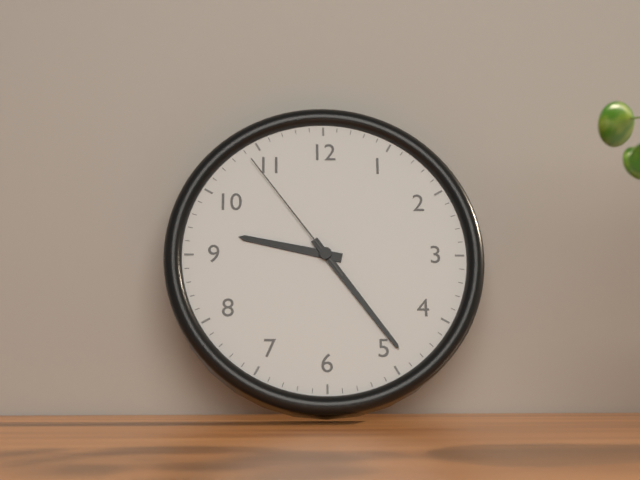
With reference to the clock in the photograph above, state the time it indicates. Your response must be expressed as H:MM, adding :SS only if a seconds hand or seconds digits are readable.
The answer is 9:24:54
